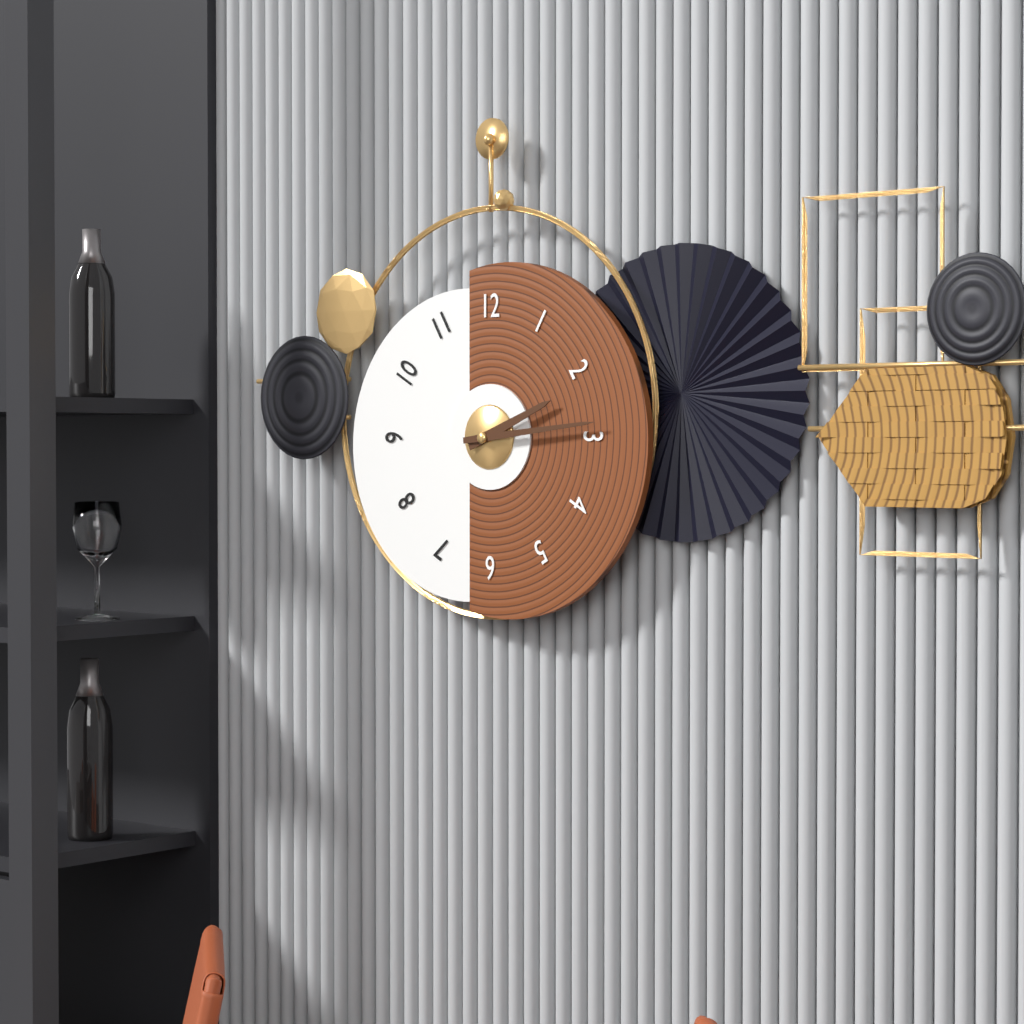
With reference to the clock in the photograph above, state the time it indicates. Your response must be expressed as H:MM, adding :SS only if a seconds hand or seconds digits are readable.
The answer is 2:14
